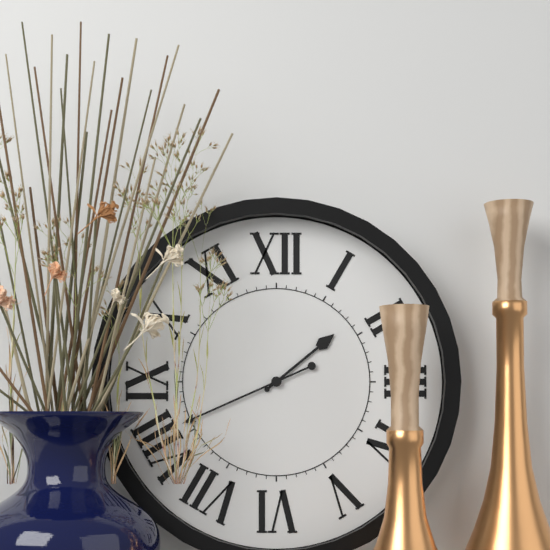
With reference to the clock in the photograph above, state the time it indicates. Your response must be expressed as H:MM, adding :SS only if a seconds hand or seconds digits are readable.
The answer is 1:41
